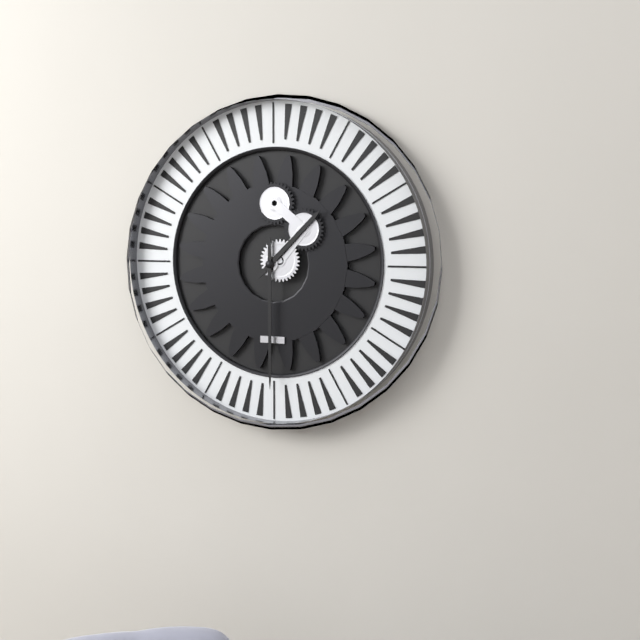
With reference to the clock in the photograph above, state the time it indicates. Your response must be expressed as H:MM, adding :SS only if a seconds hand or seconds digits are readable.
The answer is 1:30
